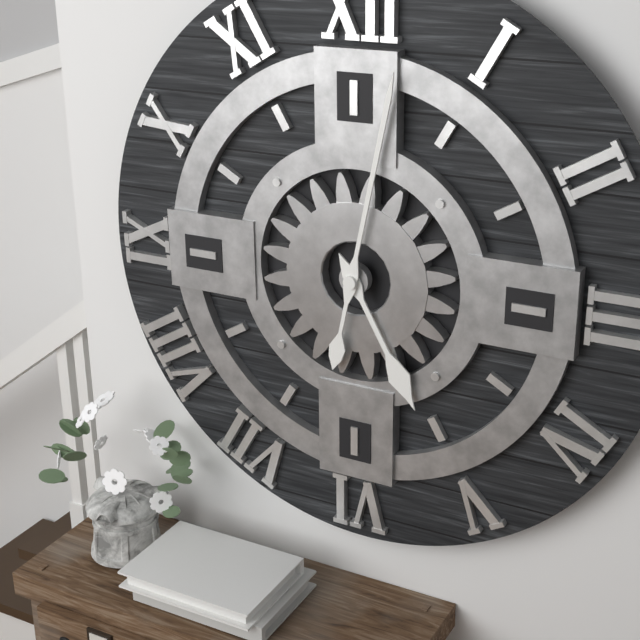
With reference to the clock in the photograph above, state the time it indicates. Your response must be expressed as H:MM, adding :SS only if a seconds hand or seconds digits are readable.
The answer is 5:02
